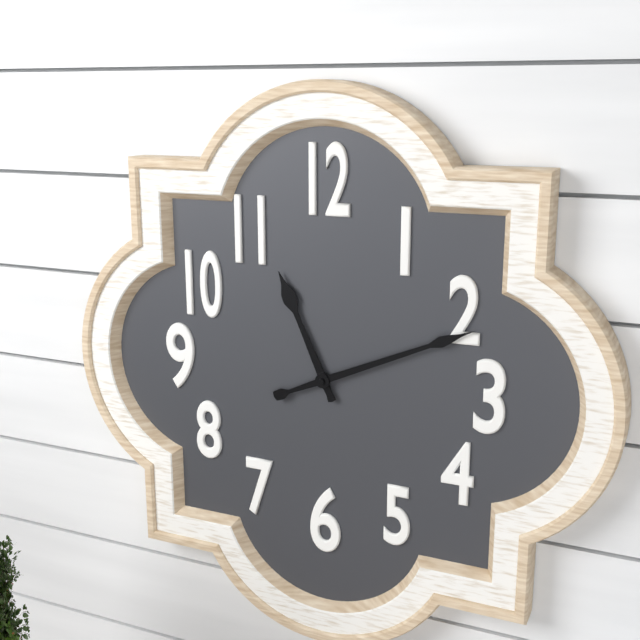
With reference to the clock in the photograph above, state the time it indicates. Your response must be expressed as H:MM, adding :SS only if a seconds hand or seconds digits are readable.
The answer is 11:11
